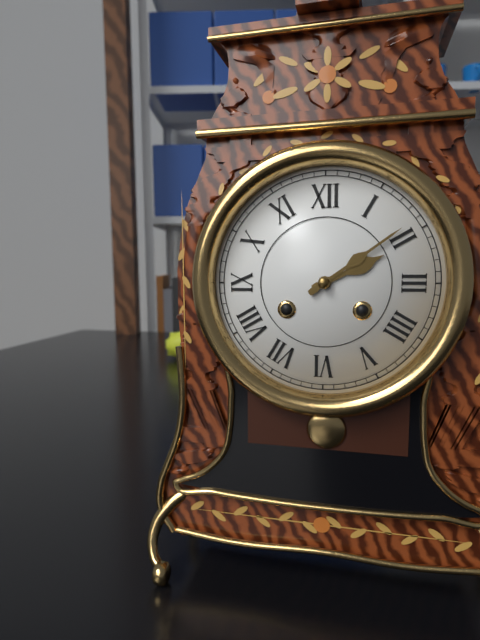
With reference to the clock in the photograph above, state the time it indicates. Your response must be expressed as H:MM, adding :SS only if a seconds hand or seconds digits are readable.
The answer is 2:09
